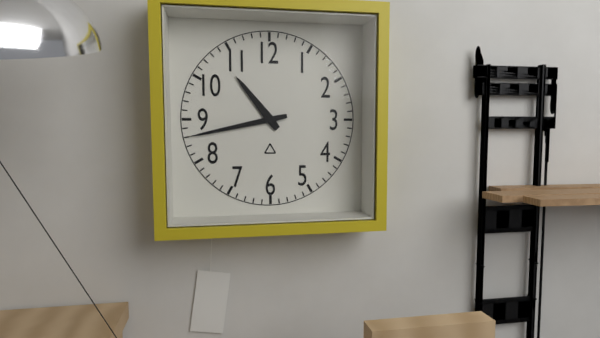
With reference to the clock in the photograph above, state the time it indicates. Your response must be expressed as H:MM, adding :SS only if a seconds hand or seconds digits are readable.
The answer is 10:43
